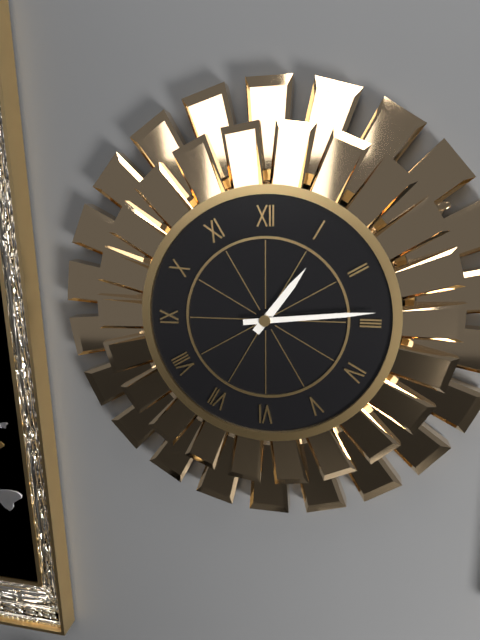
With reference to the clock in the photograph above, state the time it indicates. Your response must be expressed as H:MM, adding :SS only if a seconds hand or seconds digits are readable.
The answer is 1:14
